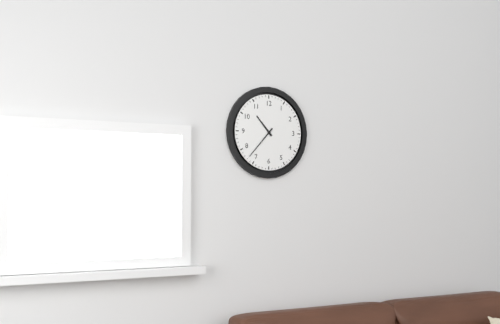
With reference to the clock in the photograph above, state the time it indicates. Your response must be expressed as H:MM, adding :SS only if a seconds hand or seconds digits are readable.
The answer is 10:37
